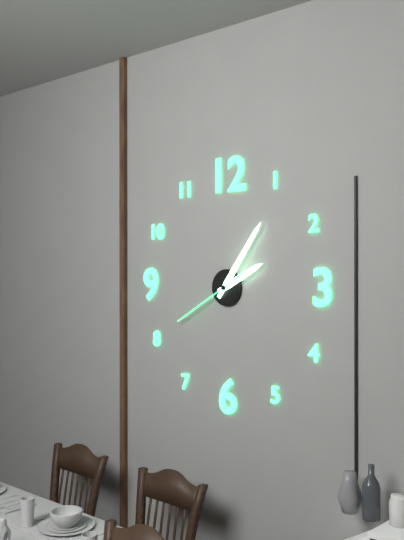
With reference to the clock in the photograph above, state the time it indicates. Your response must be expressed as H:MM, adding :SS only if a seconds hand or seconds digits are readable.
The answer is 2:06:40
